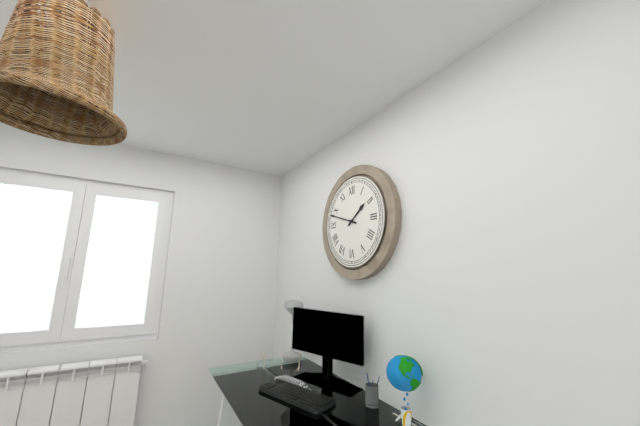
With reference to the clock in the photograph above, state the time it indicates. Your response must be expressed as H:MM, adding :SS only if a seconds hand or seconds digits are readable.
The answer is 1:48
